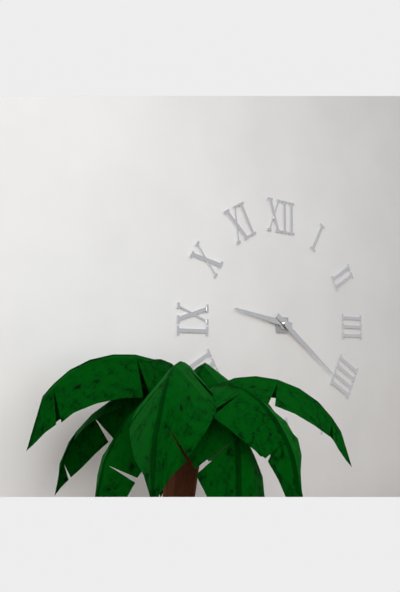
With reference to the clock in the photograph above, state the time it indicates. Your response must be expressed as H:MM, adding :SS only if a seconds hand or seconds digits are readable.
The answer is 9:21
